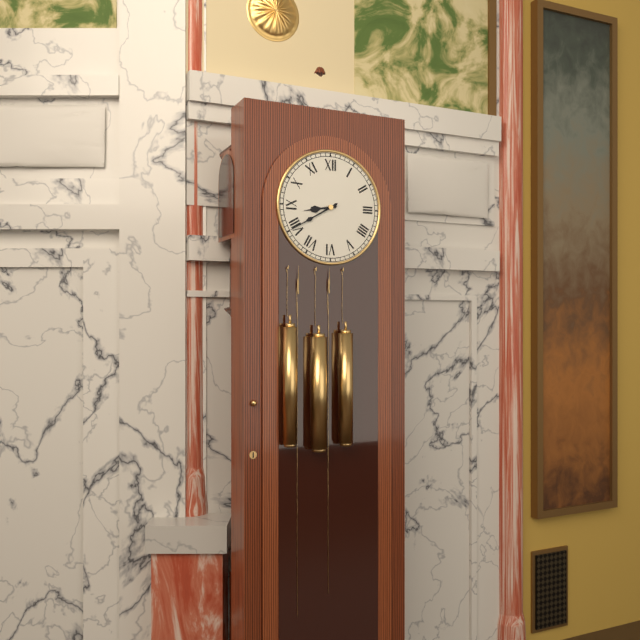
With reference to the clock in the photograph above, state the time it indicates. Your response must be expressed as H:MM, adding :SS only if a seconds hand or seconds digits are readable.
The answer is 8:40
